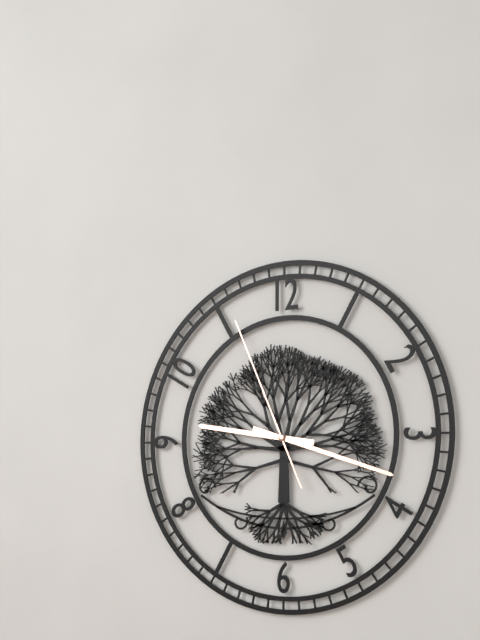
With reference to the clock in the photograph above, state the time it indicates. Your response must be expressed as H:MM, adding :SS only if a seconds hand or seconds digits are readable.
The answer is 9:18:56
